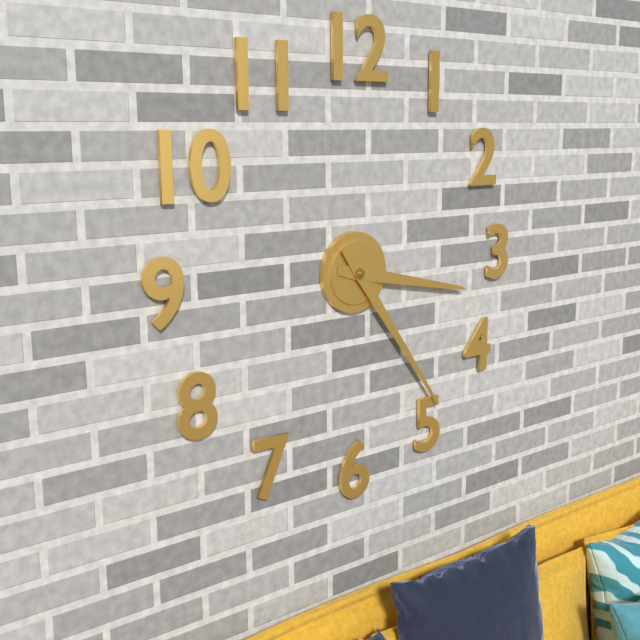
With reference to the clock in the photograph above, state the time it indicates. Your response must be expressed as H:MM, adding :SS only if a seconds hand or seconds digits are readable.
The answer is 3:24
